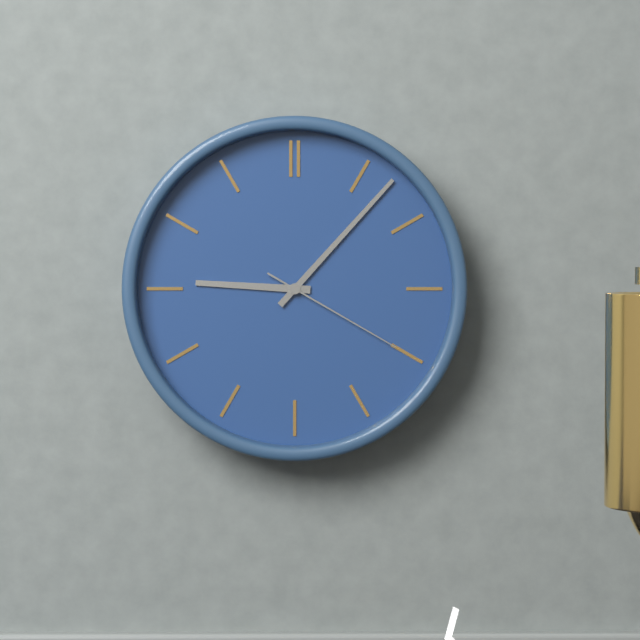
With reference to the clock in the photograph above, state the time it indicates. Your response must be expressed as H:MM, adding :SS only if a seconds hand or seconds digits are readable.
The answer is 9:07:20
